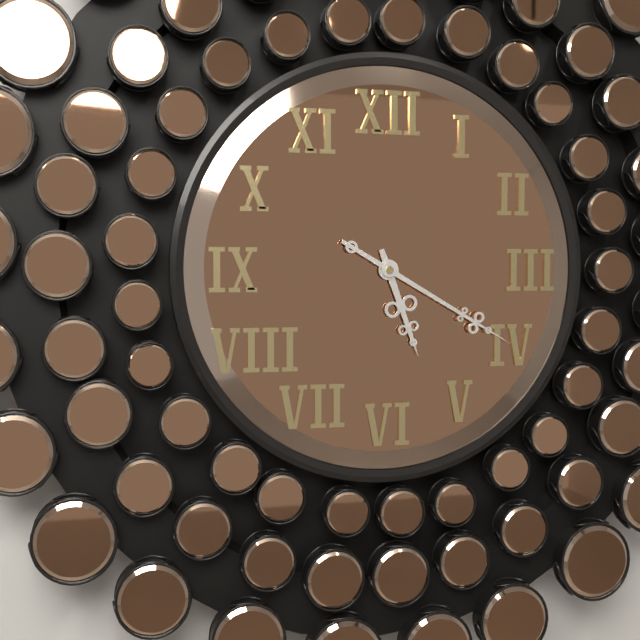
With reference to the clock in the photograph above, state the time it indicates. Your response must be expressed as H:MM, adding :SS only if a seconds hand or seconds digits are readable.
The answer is 5:20
